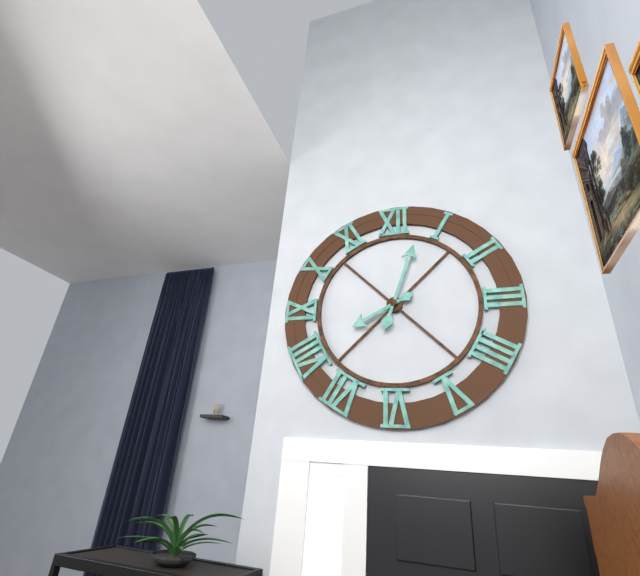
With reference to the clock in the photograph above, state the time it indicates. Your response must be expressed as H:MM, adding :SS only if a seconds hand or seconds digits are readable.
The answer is 8:03
